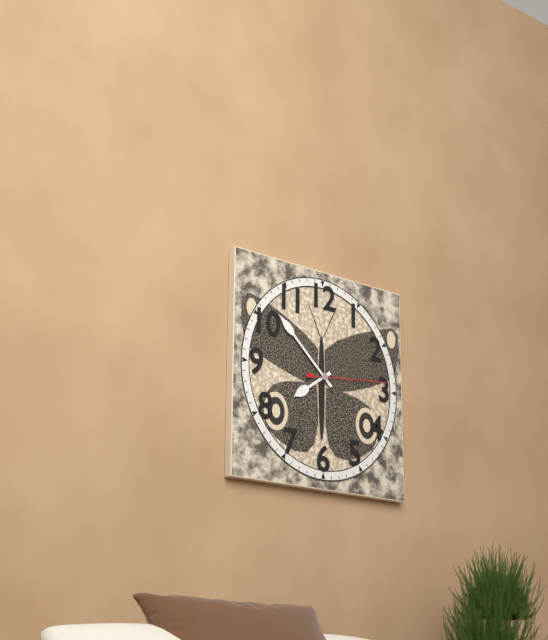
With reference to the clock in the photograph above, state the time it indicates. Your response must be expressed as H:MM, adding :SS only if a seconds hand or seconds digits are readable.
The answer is 7:52:14
